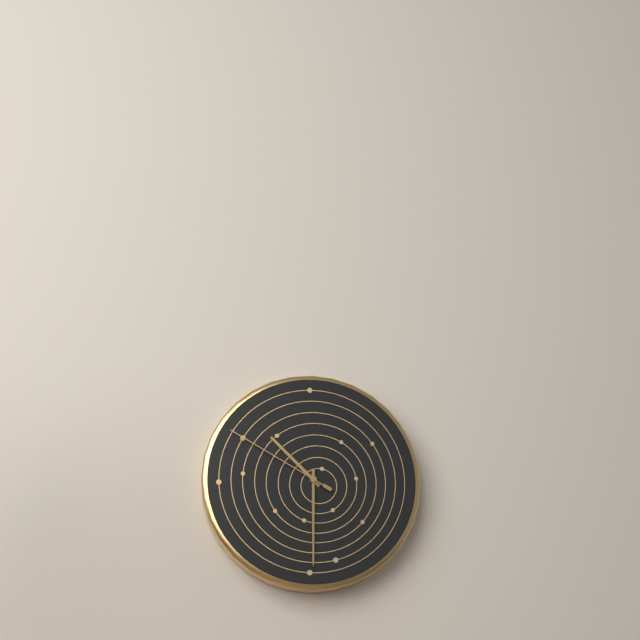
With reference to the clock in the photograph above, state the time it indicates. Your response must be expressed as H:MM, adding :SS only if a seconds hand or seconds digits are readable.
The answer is 10:30:50
